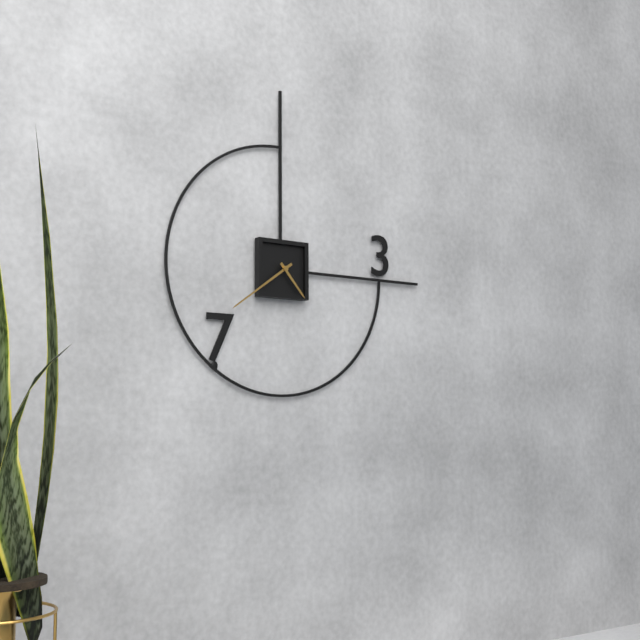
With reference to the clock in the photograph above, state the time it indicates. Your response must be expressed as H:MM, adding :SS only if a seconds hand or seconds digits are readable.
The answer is 4:39
